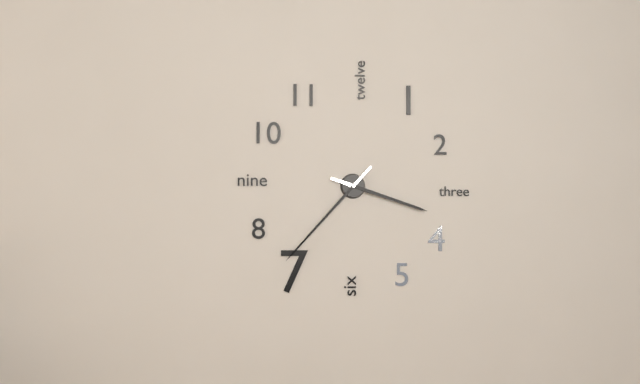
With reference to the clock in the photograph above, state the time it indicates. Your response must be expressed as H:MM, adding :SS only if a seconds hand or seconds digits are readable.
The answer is 3:37
